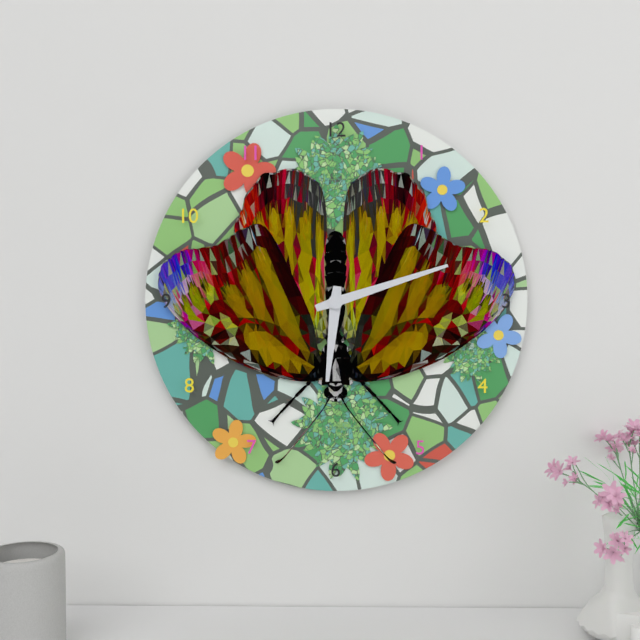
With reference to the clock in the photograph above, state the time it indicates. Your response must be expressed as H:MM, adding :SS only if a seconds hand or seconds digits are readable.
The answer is 6:12
